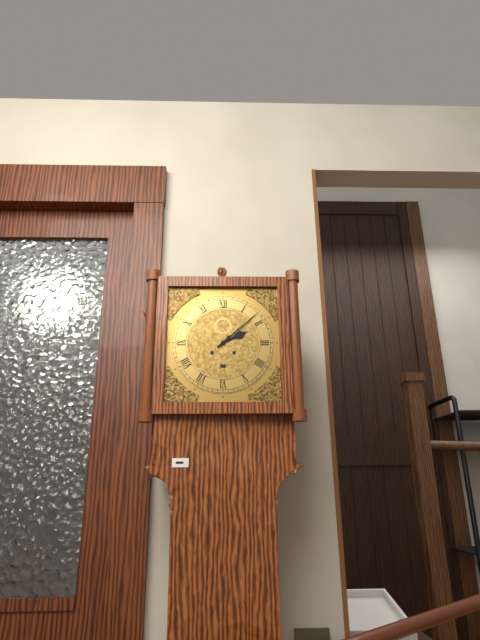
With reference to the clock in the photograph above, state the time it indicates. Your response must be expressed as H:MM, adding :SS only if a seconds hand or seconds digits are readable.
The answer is 2:08
